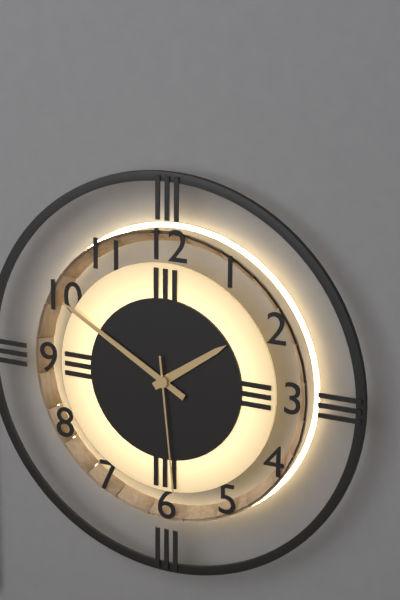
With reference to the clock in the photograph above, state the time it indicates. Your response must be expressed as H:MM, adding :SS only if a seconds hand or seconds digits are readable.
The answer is 1:50:29
